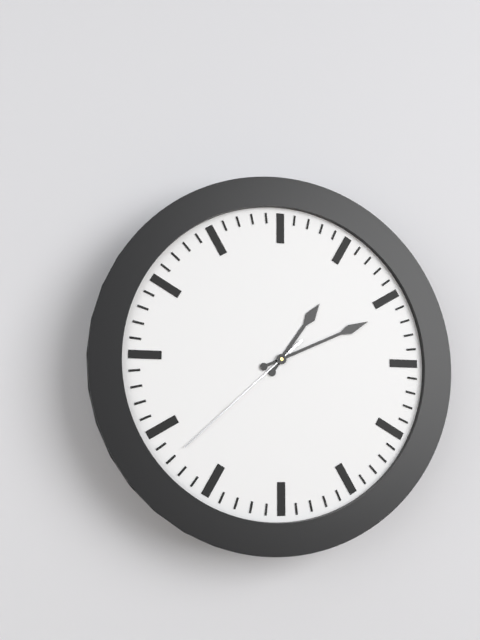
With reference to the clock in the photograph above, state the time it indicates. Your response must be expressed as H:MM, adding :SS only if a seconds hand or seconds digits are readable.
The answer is 1:11:38
